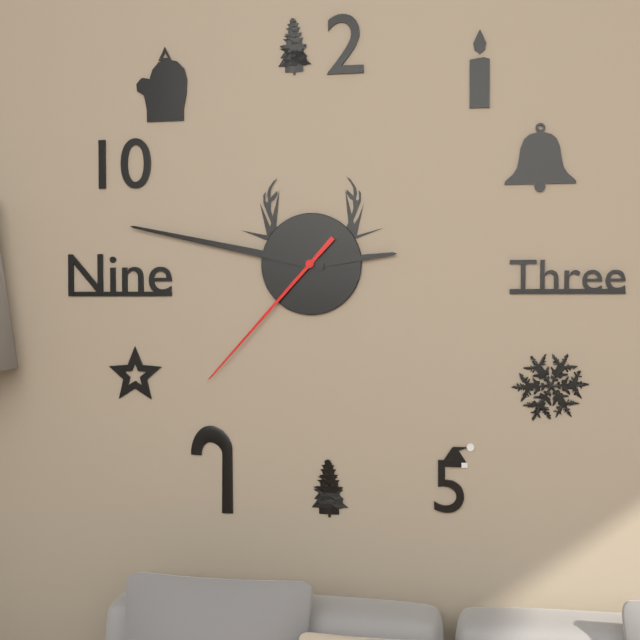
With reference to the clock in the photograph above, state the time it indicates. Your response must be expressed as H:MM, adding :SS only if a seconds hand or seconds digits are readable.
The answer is 2:47:37
